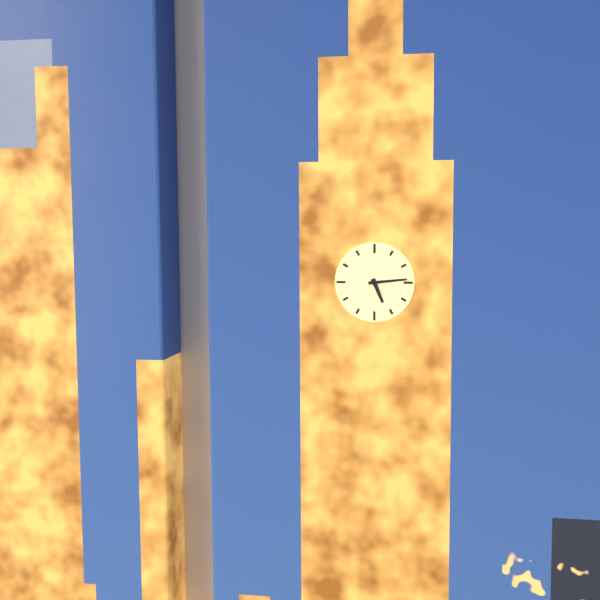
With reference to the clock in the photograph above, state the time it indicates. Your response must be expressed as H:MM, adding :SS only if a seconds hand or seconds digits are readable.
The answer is 5:14
